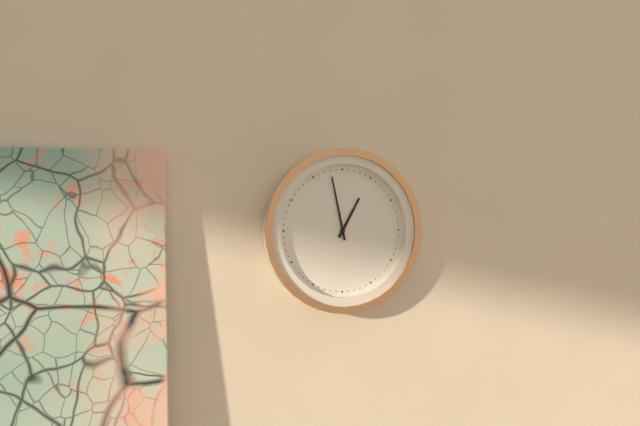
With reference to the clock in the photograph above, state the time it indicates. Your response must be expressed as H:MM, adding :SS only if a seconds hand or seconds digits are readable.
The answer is 12:58
